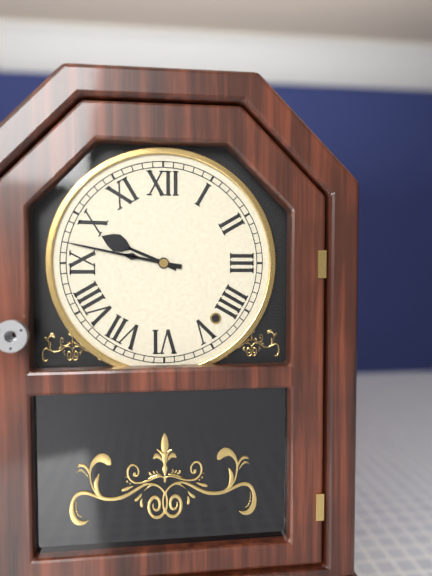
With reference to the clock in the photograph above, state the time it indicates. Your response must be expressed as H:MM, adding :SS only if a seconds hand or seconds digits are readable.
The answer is 9:47
